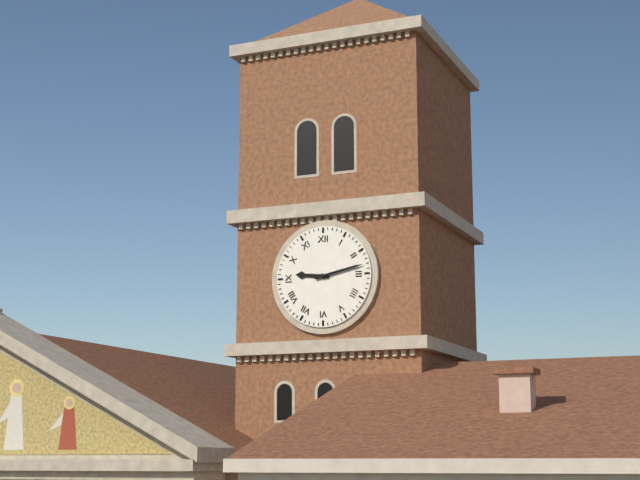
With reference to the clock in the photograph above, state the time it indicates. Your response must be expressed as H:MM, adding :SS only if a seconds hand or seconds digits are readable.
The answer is 9:13
